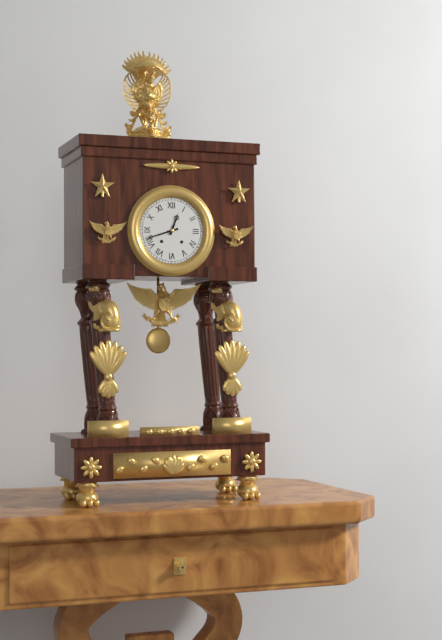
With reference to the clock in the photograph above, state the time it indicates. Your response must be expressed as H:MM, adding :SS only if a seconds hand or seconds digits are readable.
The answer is 12:42
